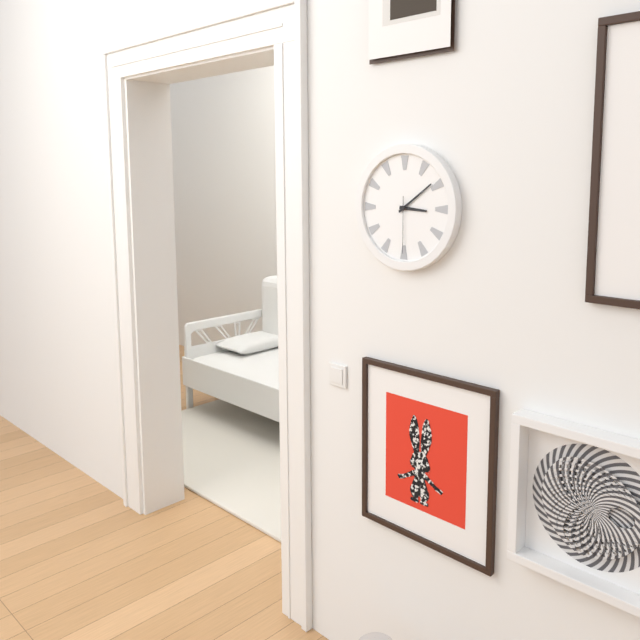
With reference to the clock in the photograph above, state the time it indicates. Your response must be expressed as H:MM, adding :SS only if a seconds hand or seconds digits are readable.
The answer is 3:09:30
